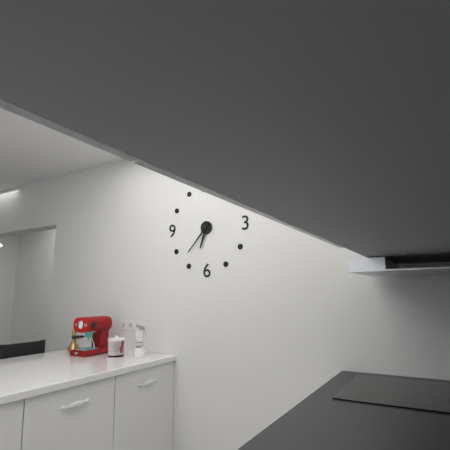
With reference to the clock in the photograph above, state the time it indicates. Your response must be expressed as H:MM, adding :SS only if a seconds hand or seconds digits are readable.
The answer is 6:37
